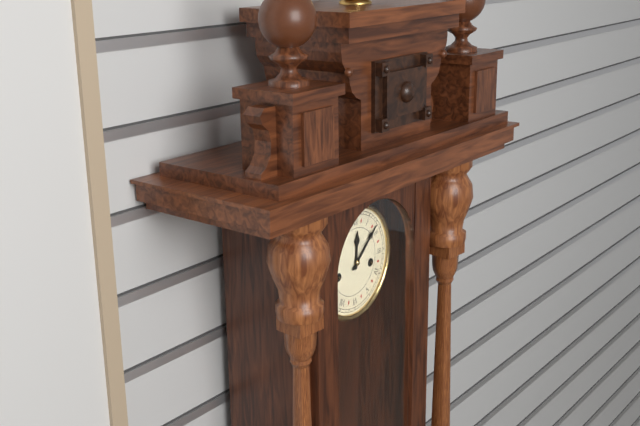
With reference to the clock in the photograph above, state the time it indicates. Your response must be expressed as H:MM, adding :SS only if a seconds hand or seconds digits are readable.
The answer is 12:08
